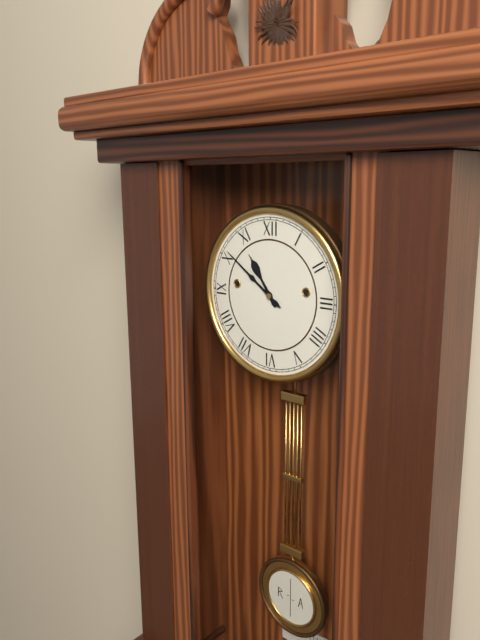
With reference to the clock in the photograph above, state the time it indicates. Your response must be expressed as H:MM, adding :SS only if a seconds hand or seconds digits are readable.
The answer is 10:51
